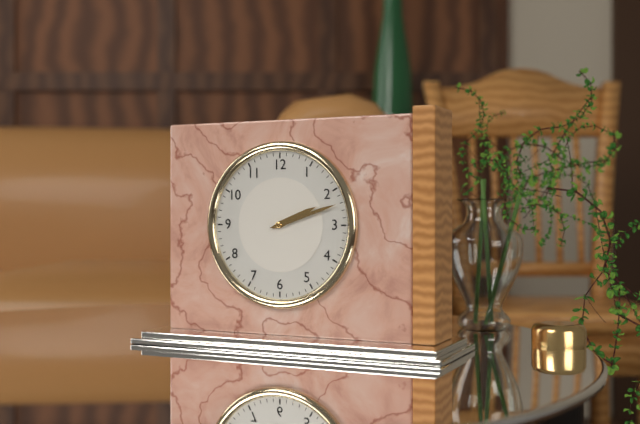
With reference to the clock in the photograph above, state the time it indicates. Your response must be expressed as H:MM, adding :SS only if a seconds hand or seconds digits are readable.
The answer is 2:12
